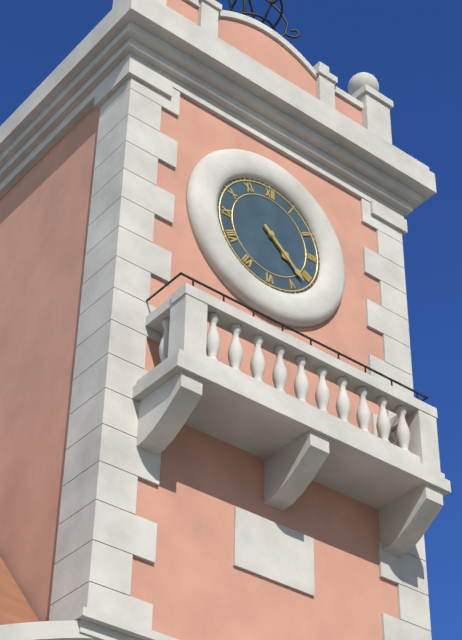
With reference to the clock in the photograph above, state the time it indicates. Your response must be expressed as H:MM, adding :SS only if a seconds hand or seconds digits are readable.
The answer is 4:22
